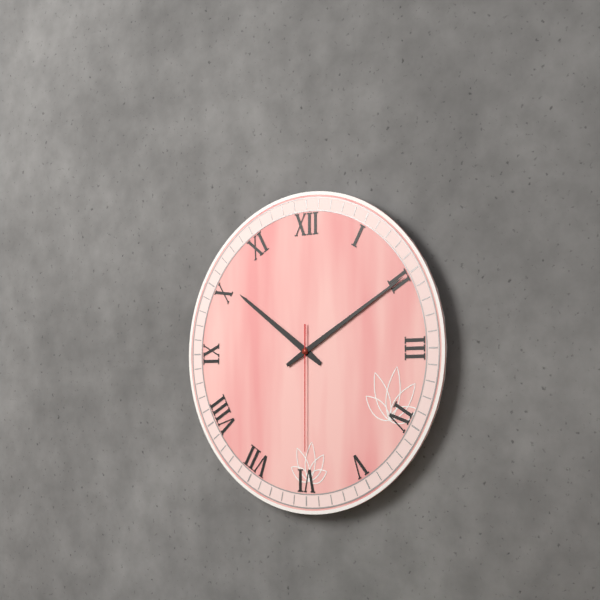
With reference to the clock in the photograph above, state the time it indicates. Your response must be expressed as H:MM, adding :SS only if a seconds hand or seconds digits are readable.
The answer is 10:10:30
